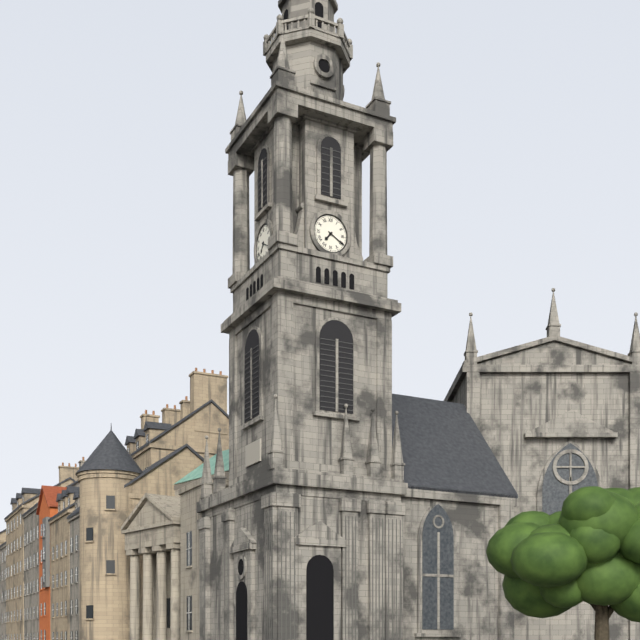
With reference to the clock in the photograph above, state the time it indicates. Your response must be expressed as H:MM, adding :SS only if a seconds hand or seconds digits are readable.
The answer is 7:20
